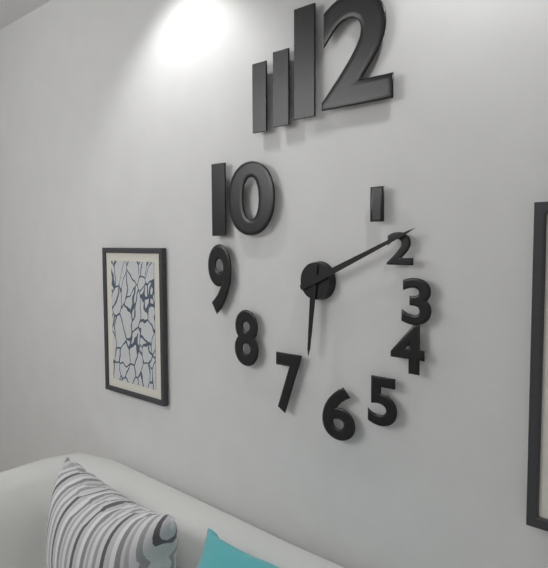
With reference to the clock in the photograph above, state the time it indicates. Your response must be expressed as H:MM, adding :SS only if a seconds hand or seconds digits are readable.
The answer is 6:11
